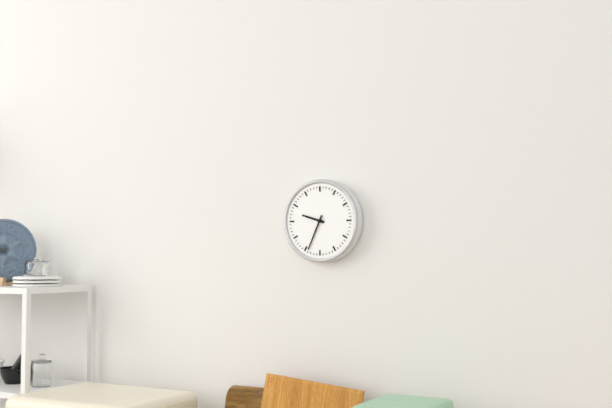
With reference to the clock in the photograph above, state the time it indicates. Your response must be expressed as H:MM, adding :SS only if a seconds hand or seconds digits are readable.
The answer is 9:34
